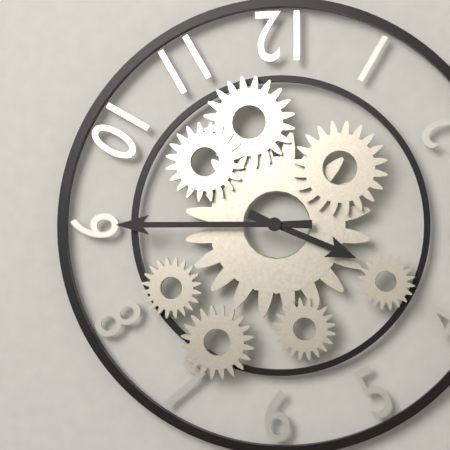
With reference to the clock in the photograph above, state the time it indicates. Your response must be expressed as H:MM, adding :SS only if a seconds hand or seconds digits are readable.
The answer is 3:45
